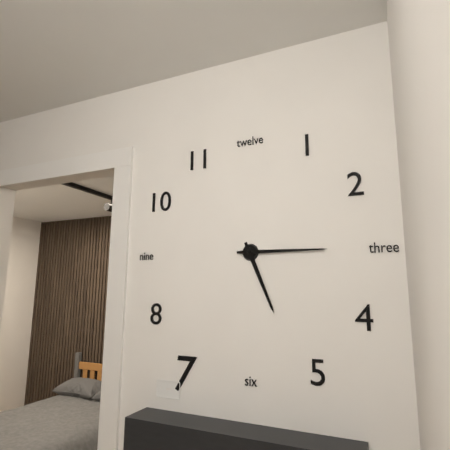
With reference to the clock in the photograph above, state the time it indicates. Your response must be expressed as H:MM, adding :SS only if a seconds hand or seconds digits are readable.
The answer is 5:15
